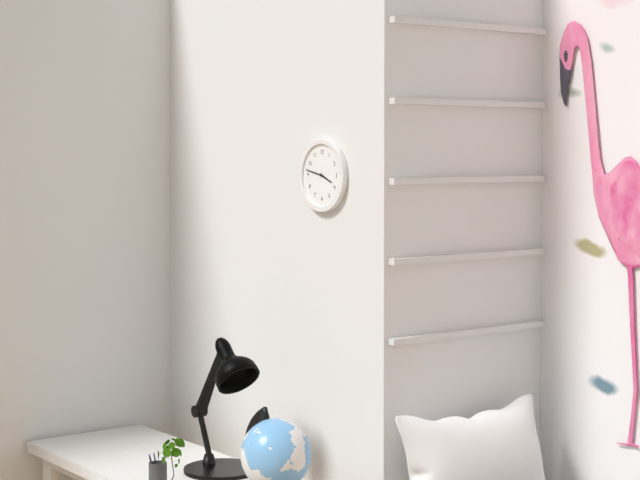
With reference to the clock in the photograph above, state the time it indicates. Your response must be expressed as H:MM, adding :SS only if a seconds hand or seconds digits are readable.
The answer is 3:47
